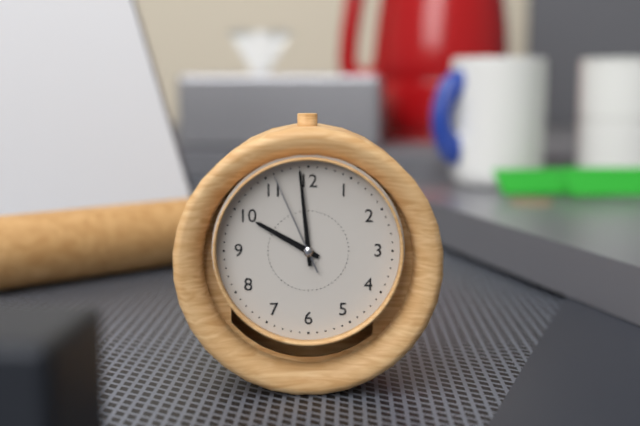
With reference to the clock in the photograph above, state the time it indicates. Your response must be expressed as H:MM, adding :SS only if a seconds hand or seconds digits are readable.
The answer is 9:59:56
